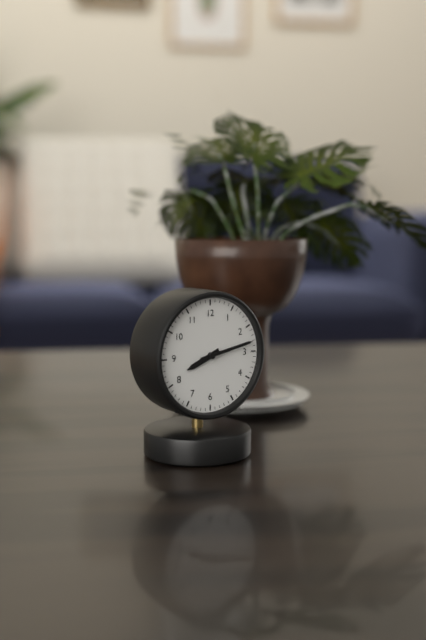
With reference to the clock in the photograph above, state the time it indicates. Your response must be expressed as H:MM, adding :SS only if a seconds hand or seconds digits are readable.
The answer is 8:13
